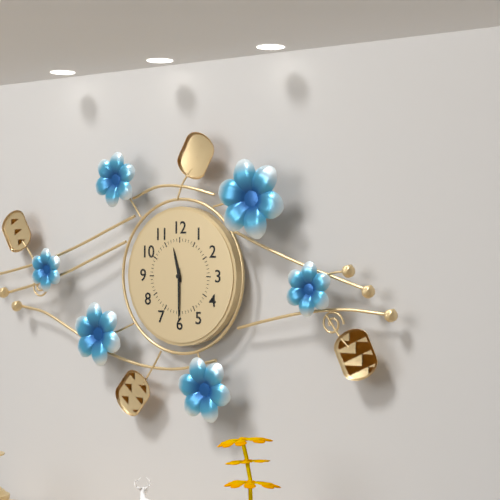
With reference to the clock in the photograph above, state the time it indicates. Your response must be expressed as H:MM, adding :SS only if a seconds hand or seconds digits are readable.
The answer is 11:30
